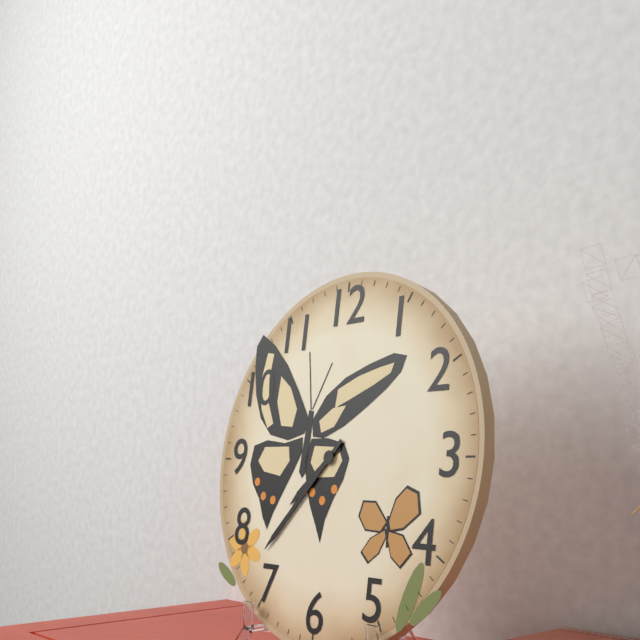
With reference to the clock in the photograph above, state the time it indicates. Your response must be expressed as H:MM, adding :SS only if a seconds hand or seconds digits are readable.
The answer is 7:37
